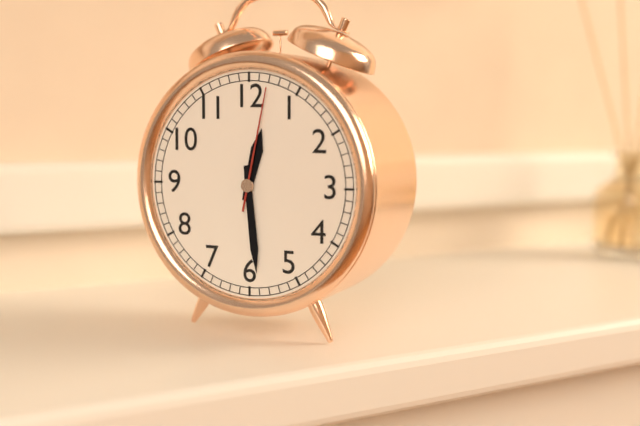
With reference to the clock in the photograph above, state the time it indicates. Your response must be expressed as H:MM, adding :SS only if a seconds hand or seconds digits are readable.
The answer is 12:29:02
